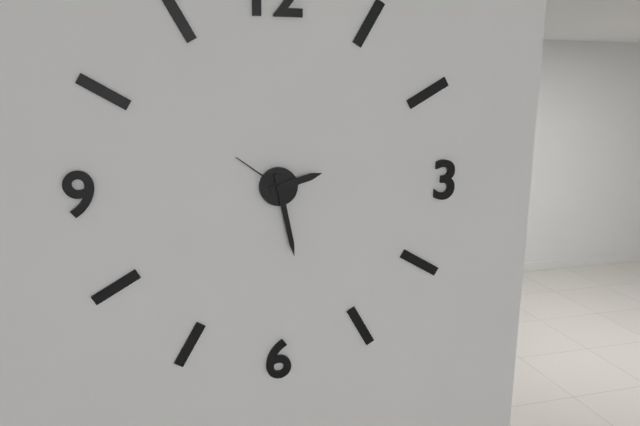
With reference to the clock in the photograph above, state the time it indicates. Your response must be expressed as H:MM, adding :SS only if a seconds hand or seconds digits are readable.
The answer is 2:28:51
